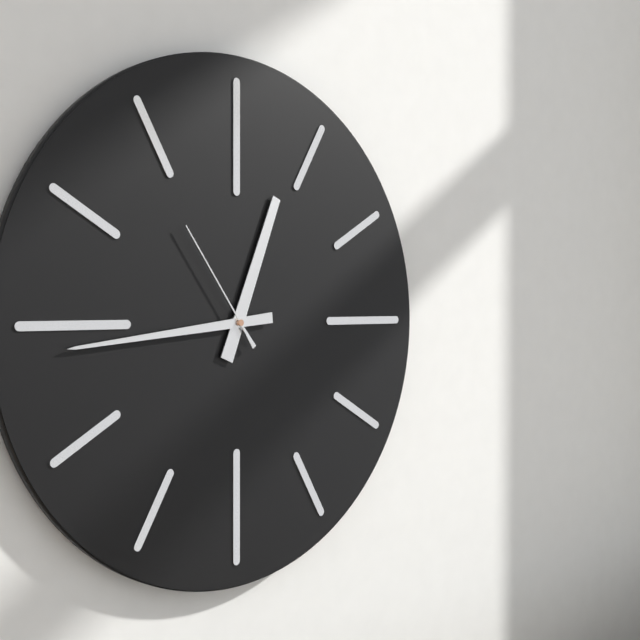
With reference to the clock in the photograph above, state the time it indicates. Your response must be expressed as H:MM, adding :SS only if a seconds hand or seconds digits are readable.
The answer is 12:44:54
